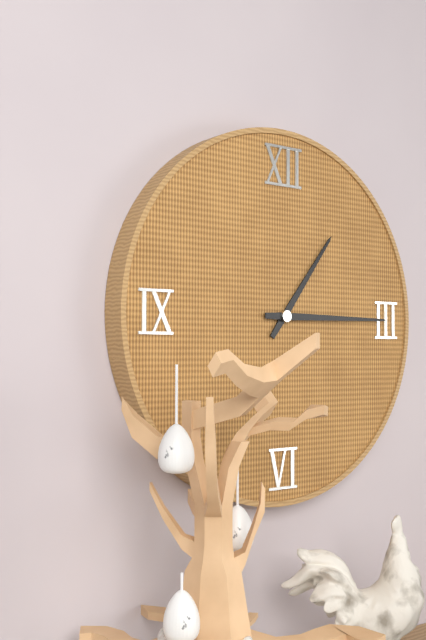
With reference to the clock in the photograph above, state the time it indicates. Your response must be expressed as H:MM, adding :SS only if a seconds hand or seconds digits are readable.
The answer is 1:15
